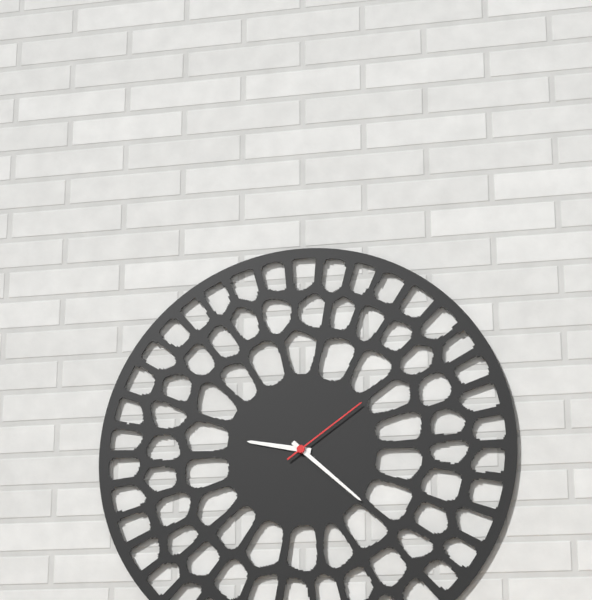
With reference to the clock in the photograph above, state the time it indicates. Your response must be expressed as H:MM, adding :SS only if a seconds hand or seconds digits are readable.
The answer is 9:22:09
